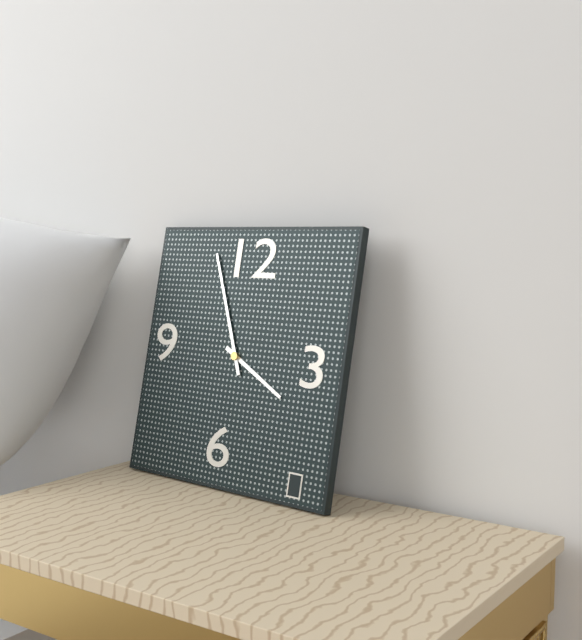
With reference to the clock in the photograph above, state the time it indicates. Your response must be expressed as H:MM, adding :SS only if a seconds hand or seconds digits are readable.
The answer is 3:56
